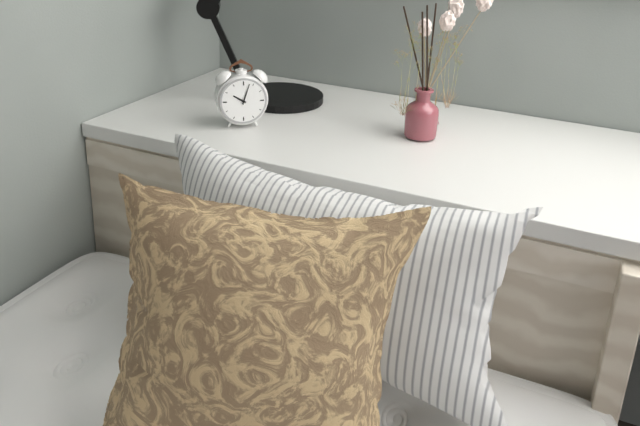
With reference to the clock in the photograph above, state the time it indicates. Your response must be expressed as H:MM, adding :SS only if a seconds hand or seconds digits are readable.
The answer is 10:03
